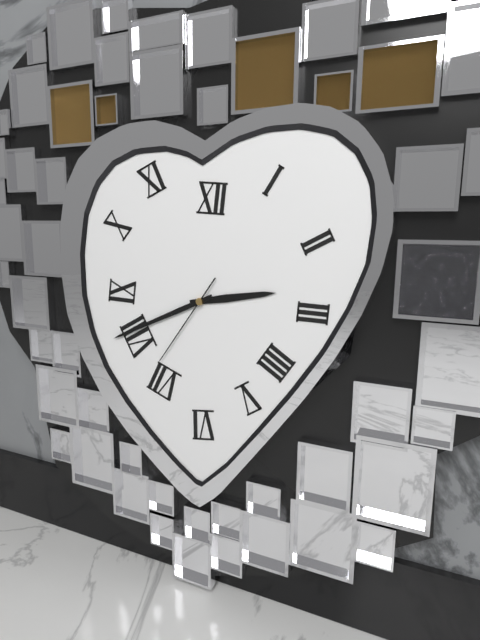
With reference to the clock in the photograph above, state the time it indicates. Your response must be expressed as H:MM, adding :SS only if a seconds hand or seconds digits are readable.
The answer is 2:41:36
